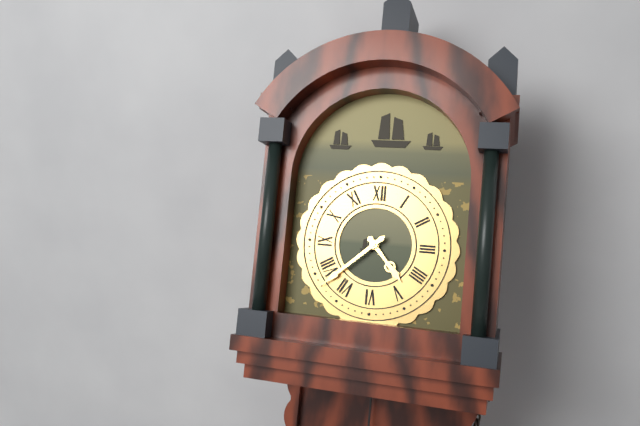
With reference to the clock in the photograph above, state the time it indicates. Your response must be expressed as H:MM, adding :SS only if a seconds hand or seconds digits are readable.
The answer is 4:38
